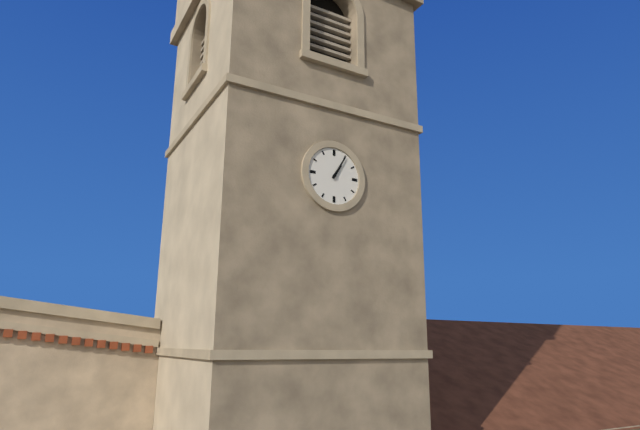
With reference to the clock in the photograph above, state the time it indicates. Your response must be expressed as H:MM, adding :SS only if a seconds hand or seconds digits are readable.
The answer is 1:05
